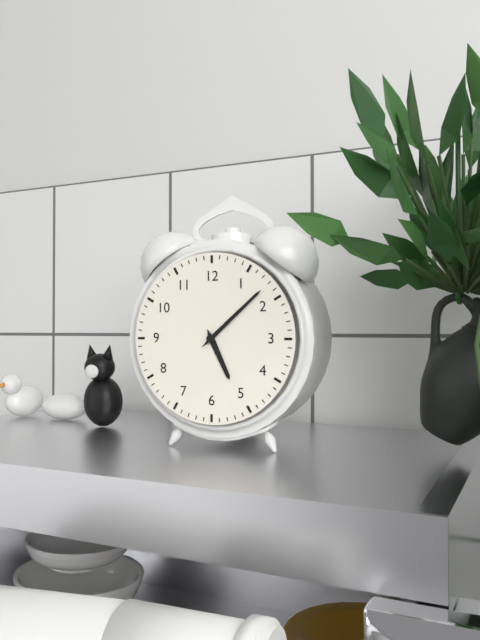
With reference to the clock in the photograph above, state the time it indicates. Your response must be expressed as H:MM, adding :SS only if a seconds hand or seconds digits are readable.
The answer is 5:08
